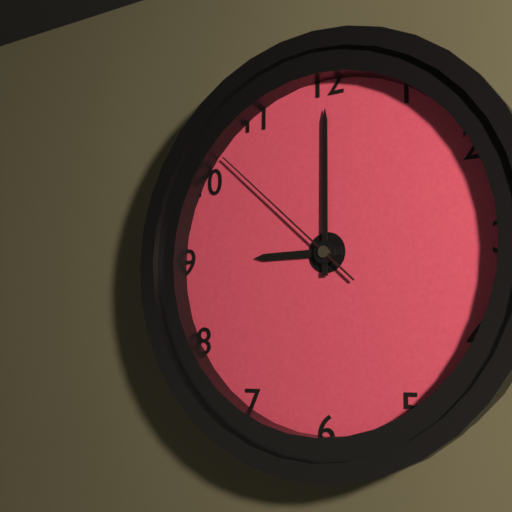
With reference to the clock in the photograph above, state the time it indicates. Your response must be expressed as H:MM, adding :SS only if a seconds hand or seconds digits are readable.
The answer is 9:00:52
